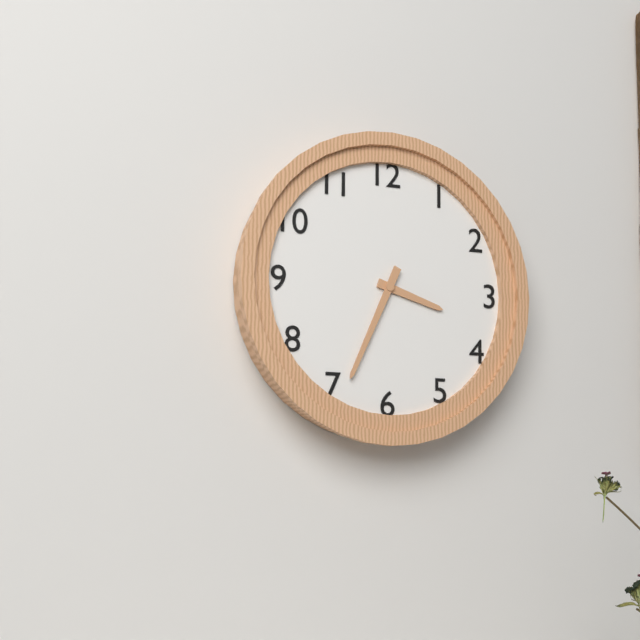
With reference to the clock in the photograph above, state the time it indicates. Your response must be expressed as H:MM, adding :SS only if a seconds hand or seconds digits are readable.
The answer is 3:34
